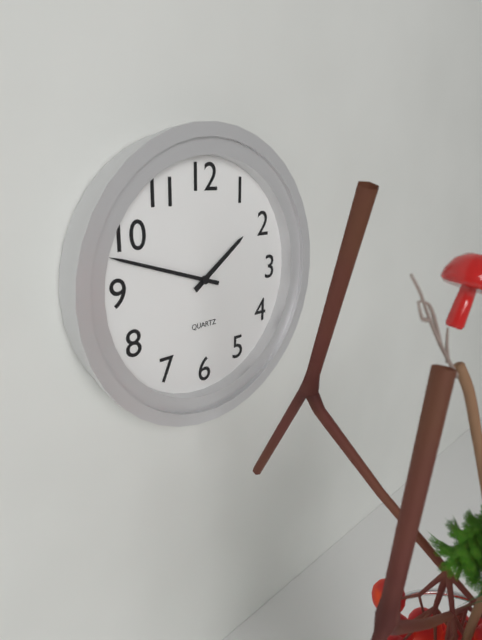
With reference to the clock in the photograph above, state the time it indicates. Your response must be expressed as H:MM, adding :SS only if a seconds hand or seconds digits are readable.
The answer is 1:48
